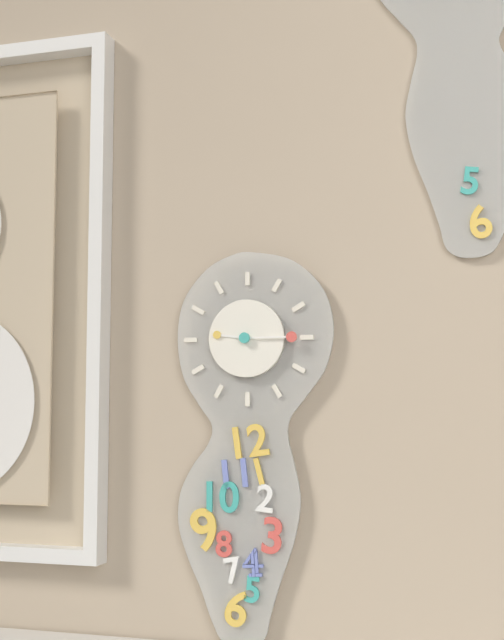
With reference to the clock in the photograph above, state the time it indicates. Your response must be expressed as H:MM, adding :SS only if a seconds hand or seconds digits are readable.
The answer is 9:15
